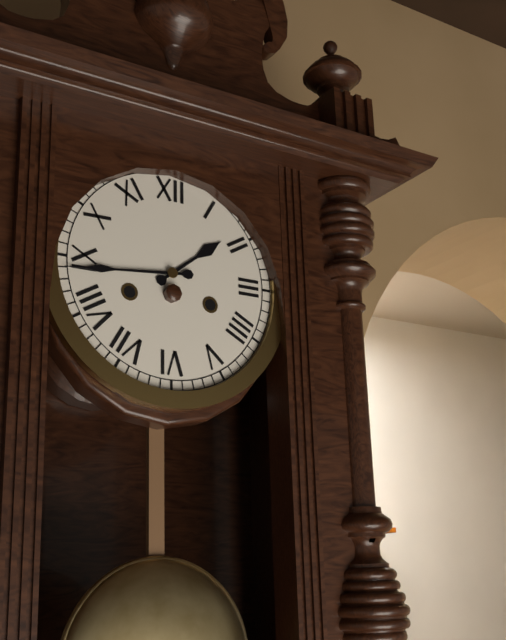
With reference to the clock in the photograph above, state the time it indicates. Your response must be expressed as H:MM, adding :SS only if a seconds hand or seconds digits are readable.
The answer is 1:44
